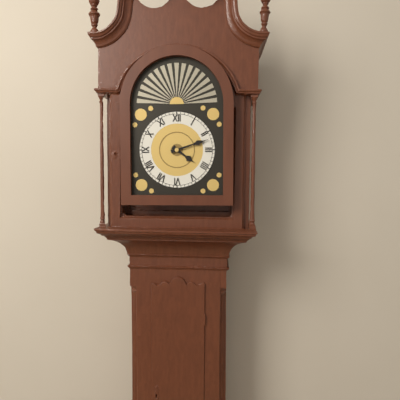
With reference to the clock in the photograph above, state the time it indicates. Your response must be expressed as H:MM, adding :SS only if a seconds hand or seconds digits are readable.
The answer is 4:12
